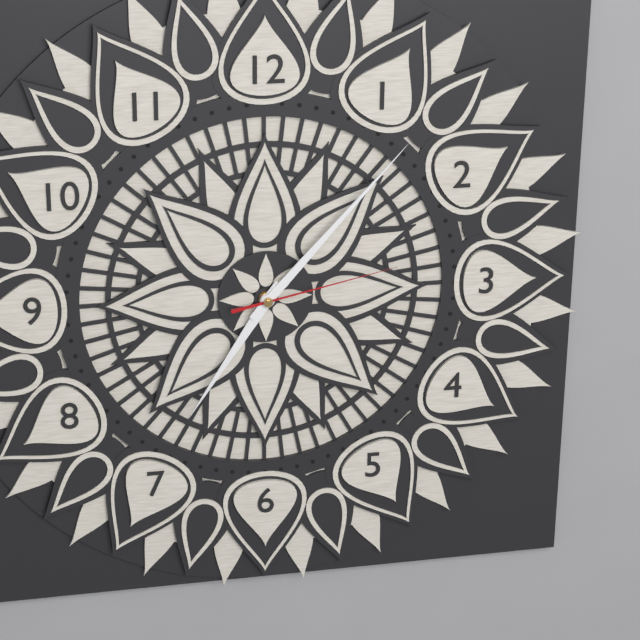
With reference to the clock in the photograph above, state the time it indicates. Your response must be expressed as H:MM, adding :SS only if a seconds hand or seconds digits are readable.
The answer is 7:07:13
